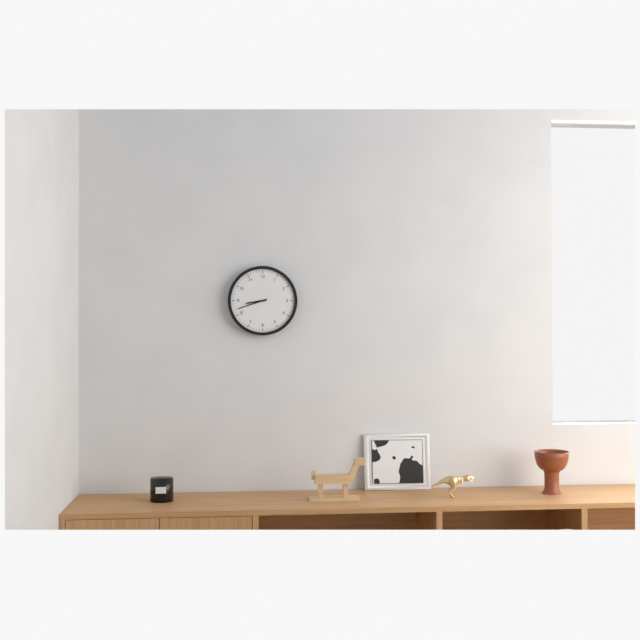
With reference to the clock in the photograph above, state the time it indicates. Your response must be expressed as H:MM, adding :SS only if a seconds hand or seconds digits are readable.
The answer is 8:42
